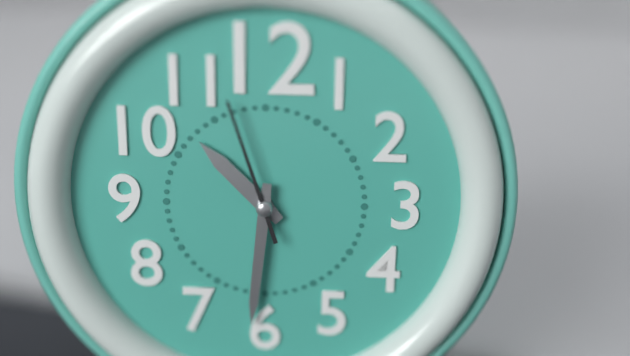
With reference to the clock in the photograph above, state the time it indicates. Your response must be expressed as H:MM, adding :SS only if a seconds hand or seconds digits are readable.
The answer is 10:31:57
